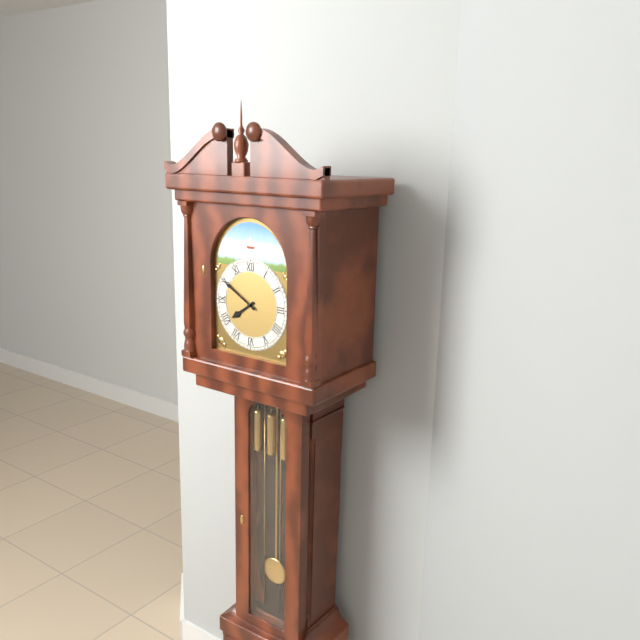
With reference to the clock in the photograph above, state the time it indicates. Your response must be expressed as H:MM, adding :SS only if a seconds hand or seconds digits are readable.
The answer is 7:50
